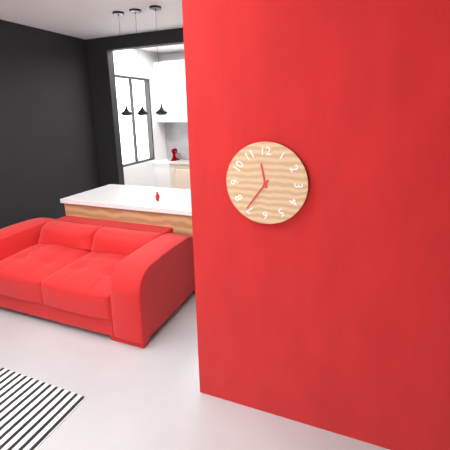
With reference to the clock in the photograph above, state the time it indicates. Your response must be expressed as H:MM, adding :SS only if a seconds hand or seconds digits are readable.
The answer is 11:36
